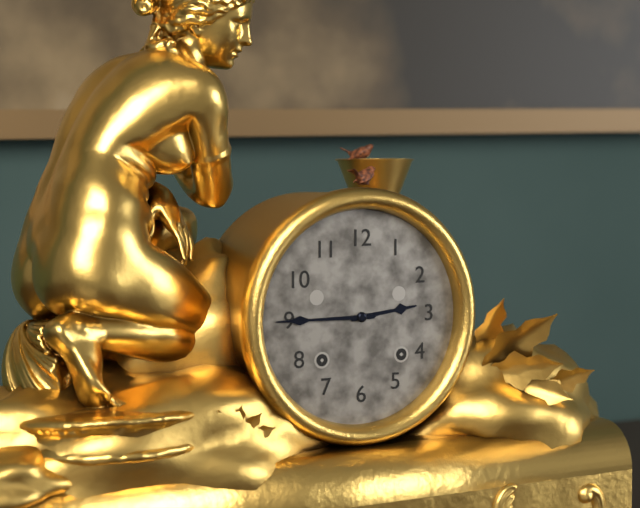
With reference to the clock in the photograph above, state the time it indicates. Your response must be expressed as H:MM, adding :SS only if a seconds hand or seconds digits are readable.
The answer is 2:45
